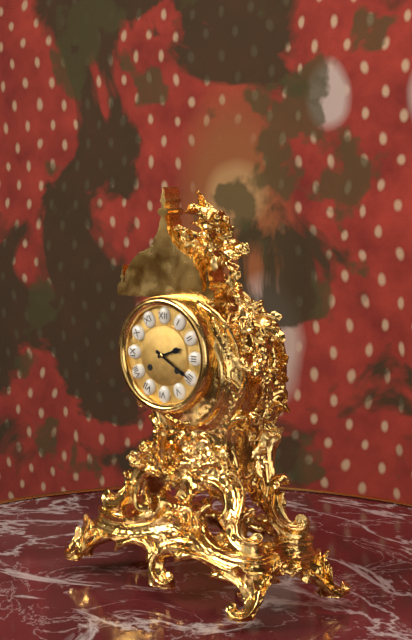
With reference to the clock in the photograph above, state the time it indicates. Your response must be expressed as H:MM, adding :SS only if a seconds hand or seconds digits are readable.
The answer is 2:20
